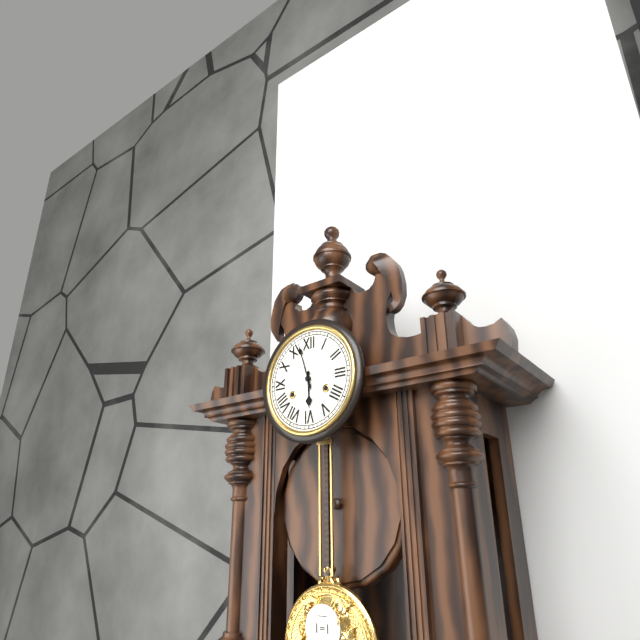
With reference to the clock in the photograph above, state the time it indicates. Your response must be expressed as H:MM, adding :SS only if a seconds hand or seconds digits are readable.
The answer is 5:57
